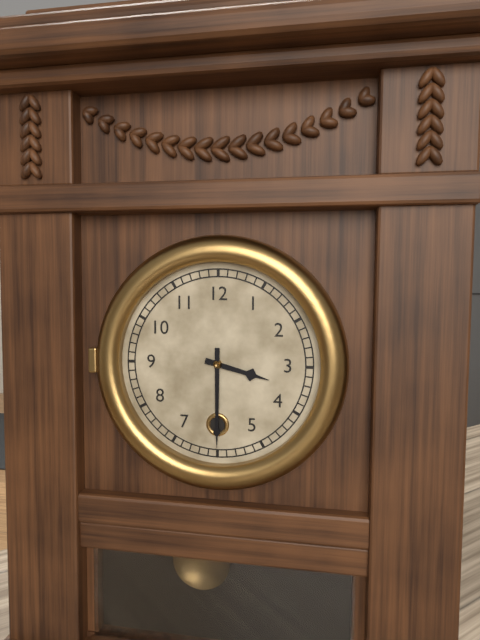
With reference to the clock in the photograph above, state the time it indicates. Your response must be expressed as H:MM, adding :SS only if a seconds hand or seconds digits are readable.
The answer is 3:30
